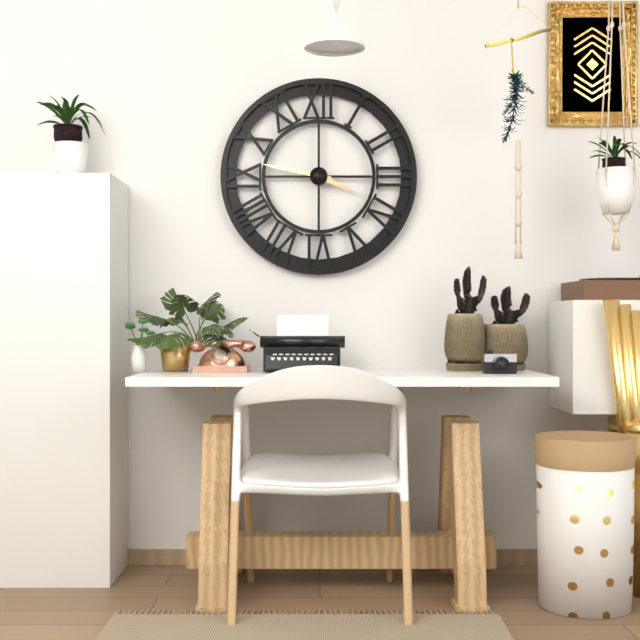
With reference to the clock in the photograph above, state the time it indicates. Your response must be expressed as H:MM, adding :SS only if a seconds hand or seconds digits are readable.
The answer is 3:47
